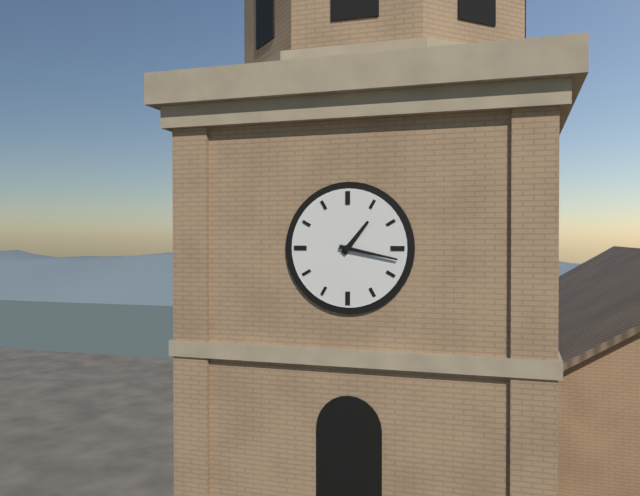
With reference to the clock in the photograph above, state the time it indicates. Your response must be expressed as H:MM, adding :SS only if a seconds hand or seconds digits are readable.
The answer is 1:17
